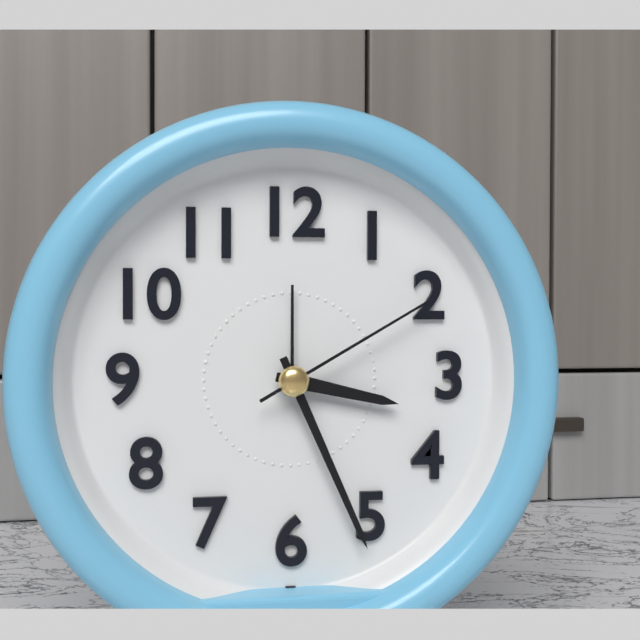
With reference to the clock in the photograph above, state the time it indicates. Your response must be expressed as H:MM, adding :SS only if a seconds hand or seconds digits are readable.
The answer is 3:26:10
